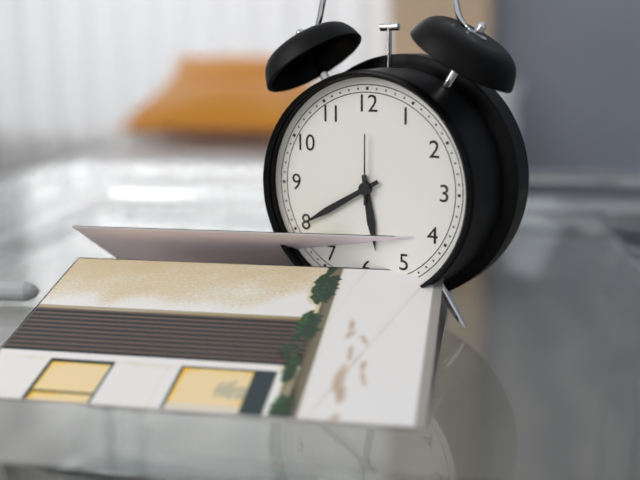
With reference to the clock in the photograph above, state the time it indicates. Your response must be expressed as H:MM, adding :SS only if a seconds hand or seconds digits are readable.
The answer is 5:40:00
